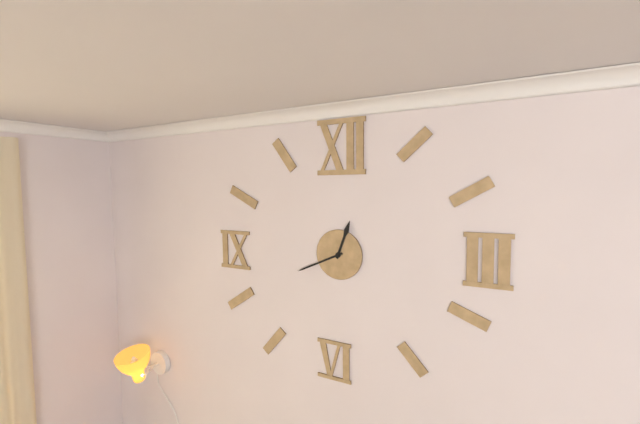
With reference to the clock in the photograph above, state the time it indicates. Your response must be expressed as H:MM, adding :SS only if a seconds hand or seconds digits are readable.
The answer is 12:41
